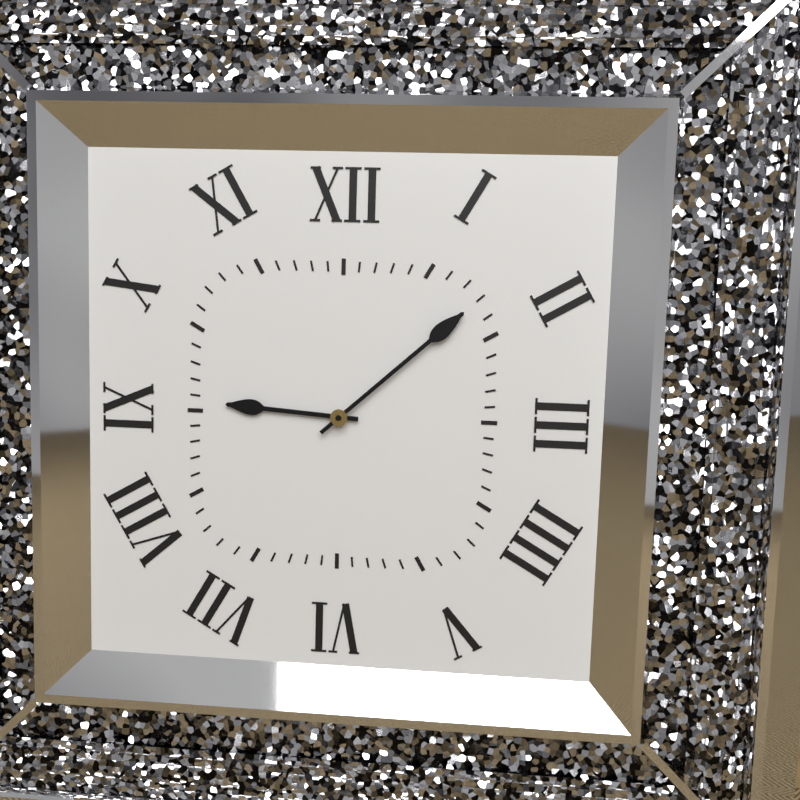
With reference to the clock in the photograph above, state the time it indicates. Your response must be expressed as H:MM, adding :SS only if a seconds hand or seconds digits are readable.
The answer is 9:08
